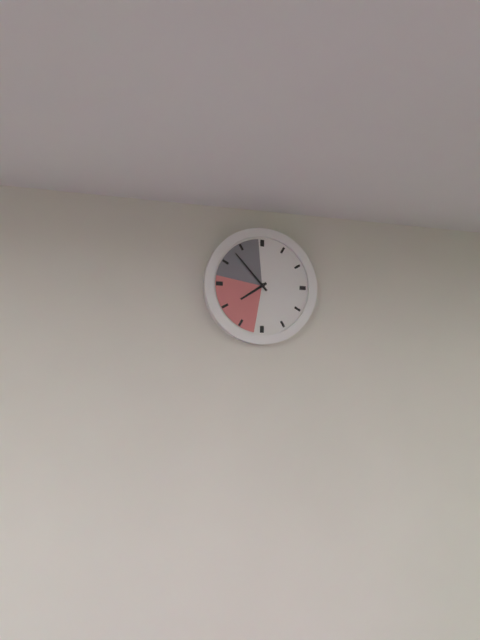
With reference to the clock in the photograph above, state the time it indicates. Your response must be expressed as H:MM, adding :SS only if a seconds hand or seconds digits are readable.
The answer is 7:53
